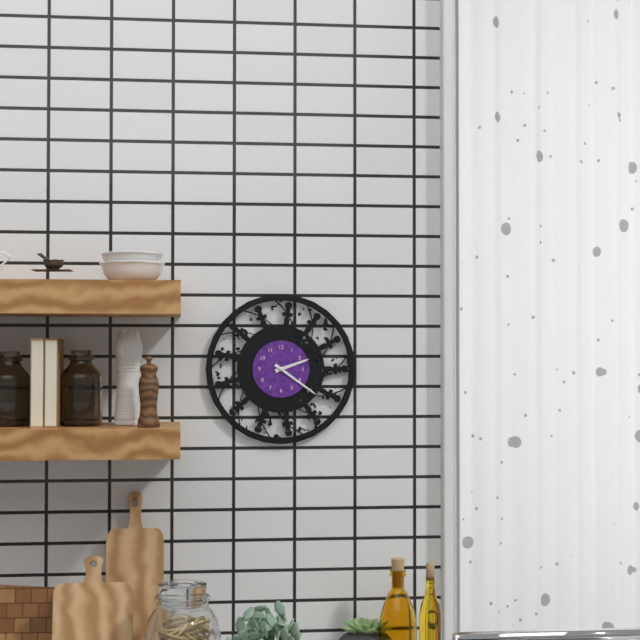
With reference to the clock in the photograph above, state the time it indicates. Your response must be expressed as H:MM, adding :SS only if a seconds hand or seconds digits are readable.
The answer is 2:21
